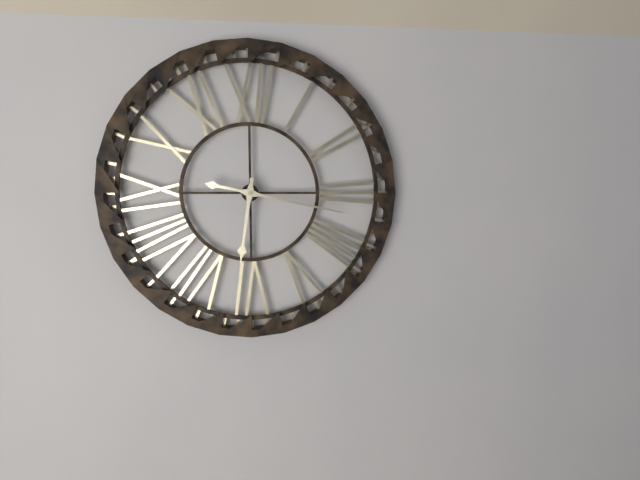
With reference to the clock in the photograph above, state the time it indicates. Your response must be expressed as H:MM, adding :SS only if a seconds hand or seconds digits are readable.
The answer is 6:17
